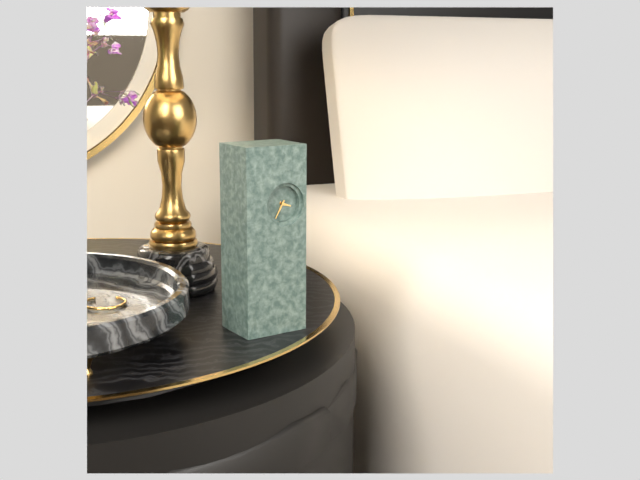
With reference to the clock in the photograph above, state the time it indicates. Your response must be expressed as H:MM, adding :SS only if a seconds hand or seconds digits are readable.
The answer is 3:35
